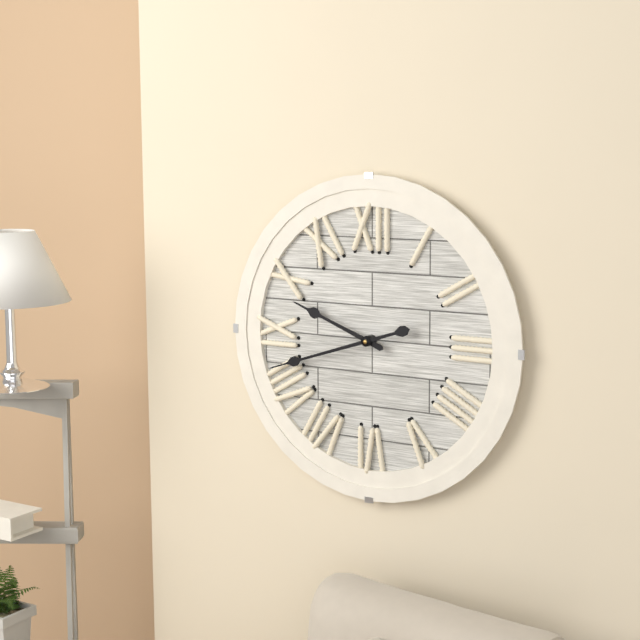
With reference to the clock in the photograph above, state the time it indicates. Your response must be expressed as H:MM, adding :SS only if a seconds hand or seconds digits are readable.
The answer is 9:42
